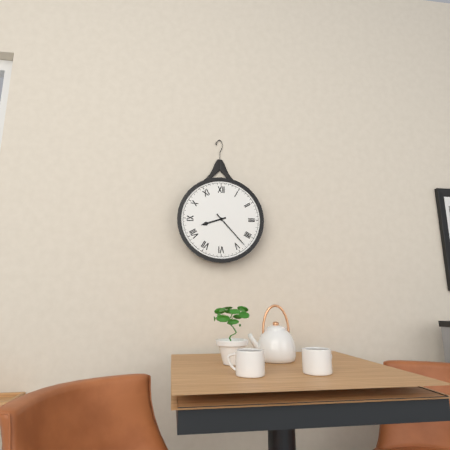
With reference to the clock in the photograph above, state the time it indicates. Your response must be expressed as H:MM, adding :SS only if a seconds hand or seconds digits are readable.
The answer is 8:23
